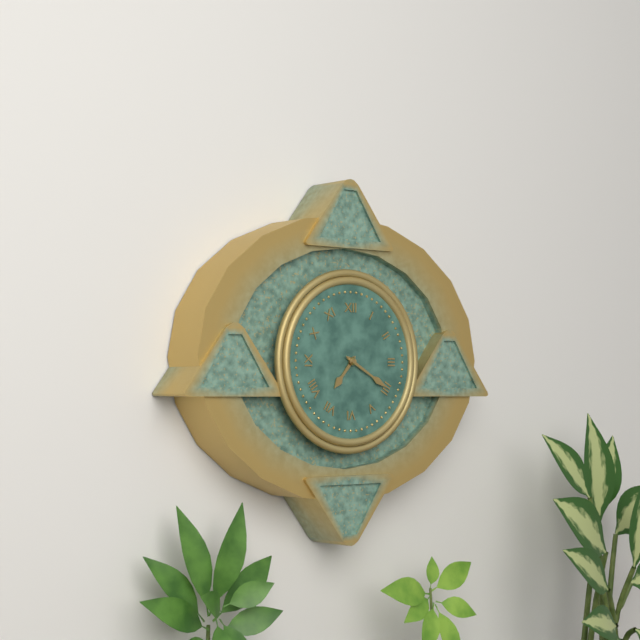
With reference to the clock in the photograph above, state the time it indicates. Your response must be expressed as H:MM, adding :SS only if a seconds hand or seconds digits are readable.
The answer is 7:20
